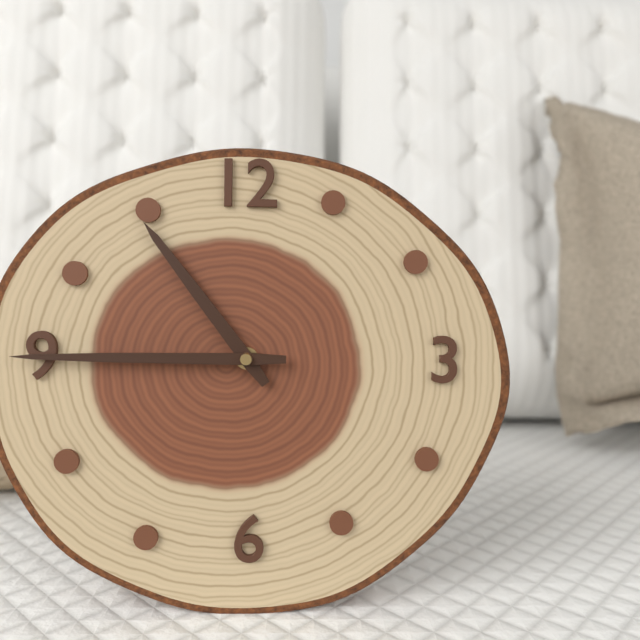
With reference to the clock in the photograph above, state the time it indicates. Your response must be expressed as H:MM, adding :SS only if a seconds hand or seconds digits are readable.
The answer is 10:45
